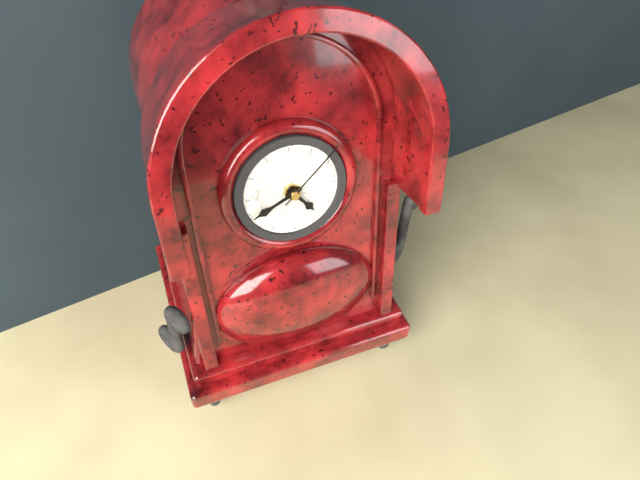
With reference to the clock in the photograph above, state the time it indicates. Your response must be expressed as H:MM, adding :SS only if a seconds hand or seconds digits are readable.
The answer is 4:41:08
